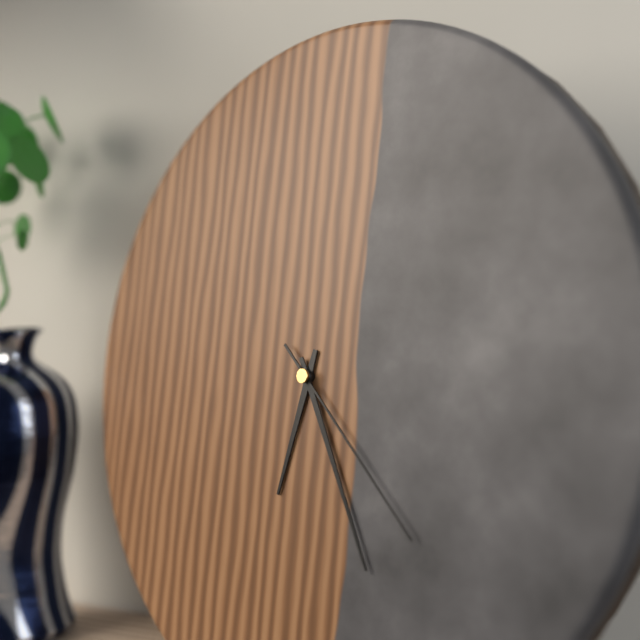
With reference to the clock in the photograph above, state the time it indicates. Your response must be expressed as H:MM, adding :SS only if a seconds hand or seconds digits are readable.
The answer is 6:25:22
